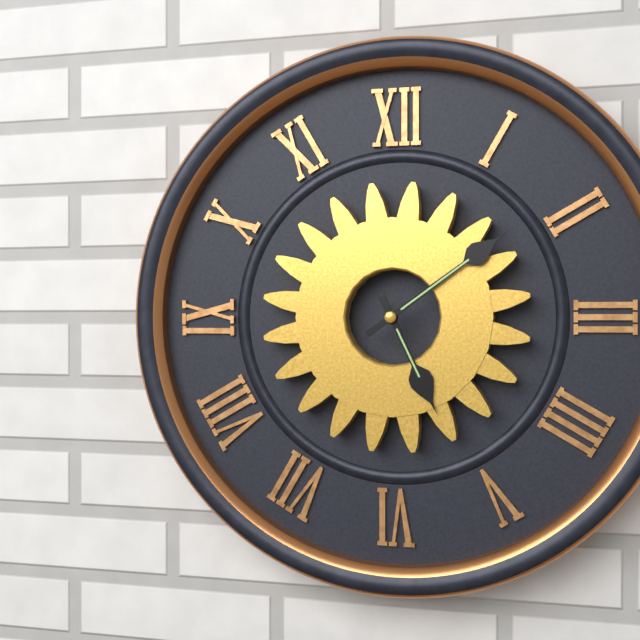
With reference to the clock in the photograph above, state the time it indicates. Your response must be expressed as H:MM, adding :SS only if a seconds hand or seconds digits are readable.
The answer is 5:09
